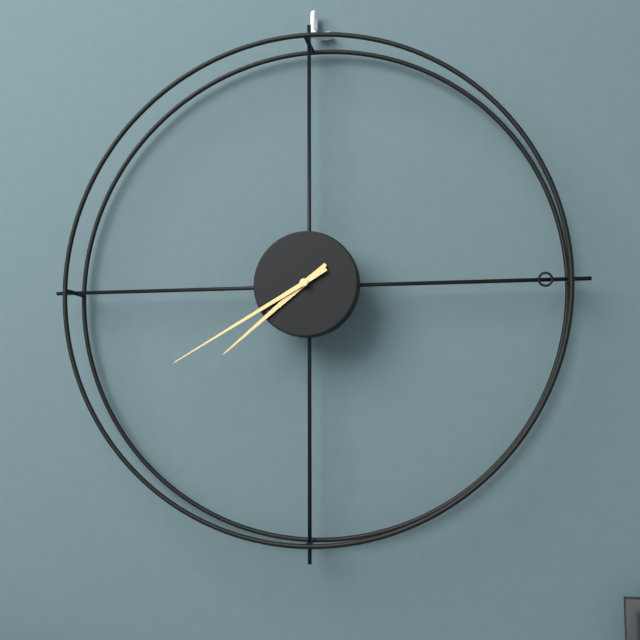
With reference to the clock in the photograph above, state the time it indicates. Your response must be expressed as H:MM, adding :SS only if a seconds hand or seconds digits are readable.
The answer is 7:40
